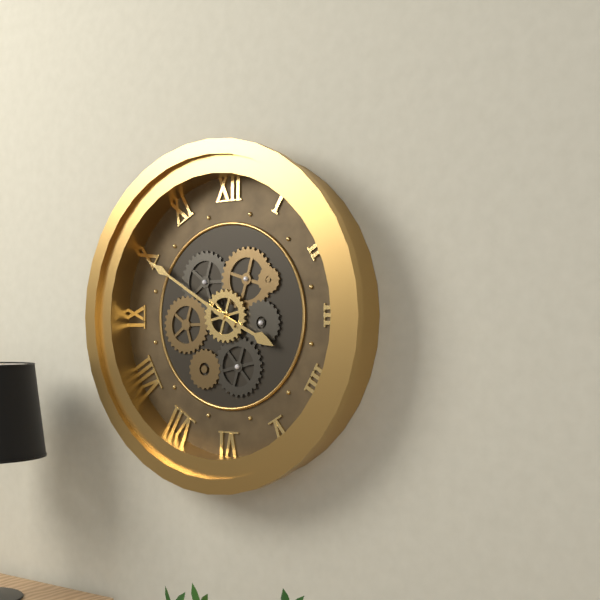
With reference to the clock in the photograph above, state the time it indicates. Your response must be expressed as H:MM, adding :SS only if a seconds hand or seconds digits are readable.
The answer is 3:50
